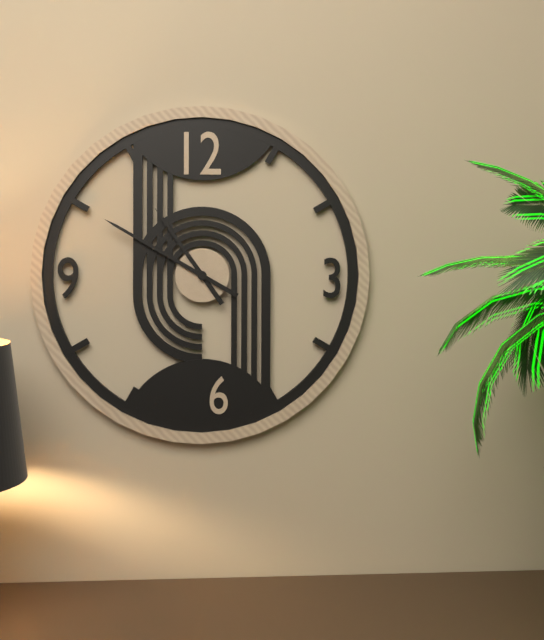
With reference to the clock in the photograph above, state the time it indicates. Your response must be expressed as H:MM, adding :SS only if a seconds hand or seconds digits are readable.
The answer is 10:50
